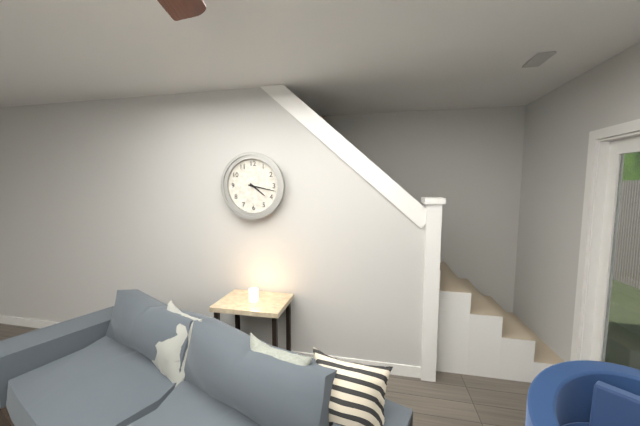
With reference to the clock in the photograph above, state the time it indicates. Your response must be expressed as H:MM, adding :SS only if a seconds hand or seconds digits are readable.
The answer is 4:17
